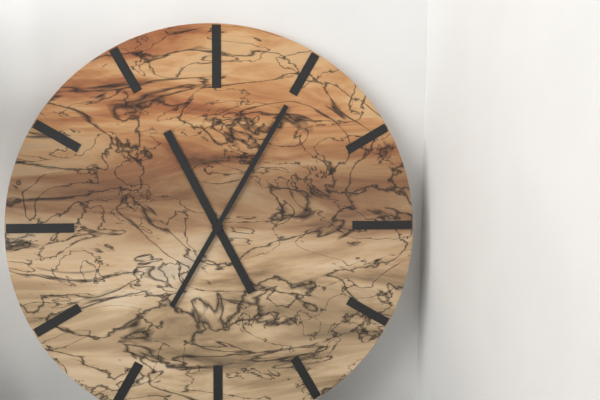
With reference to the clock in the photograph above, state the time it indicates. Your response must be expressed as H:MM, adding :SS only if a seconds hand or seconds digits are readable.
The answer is 11:05
